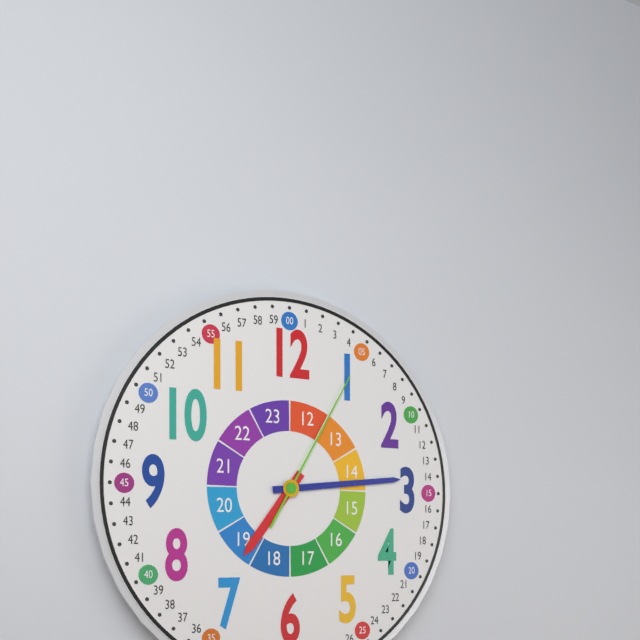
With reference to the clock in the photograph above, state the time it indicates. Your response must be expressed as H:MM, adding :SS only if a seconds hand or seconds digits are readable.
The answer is 7:14:05
